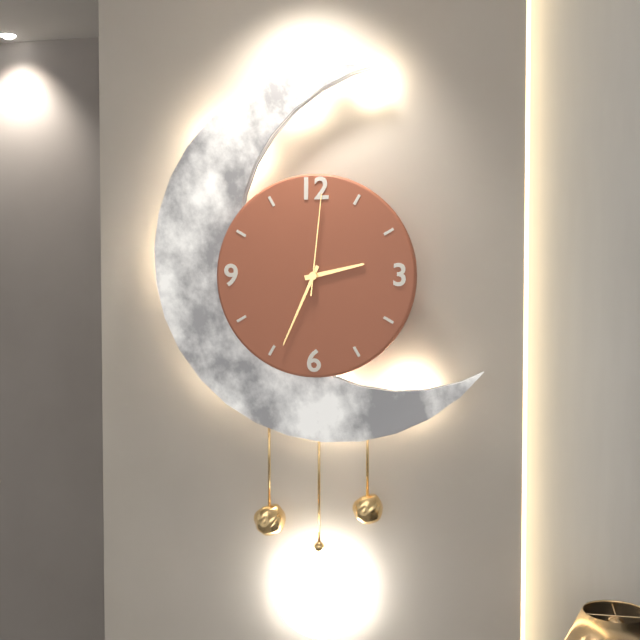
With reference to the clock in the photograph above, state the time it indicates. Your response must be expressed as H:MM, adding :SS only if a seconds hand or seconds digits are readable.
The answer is 2:34:01
